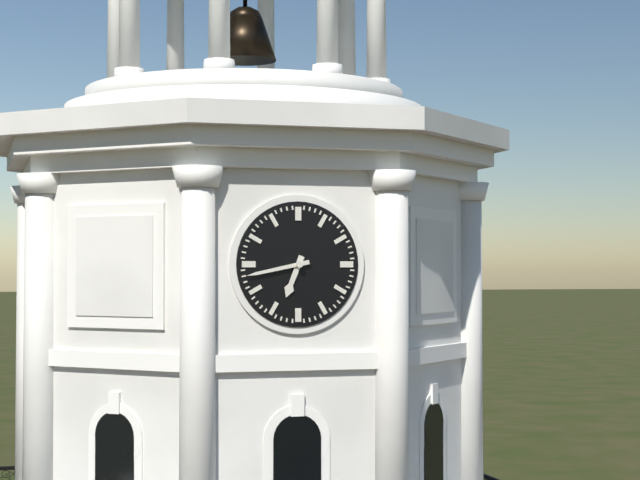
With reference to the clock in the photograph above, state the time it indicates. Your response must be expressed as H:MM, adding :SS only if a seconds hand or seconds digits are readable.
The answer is 6:43
